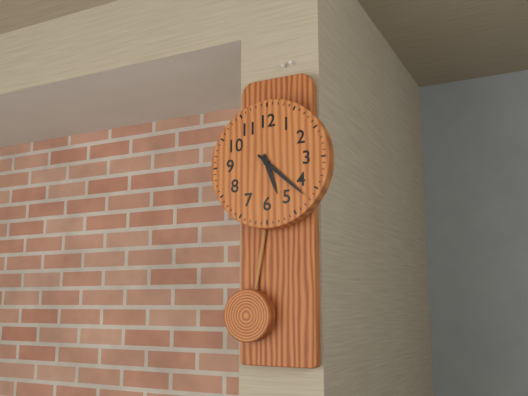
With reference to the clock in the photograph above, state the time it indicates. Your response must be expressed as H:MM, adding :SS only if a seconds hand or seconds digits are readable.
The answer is 5:22
